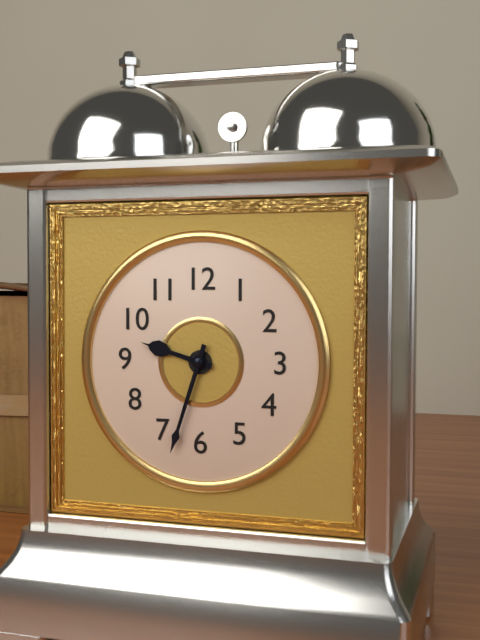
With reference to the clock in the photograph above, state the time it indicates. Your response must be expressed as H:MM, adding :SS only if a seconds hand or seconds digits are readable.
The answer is 9:33
